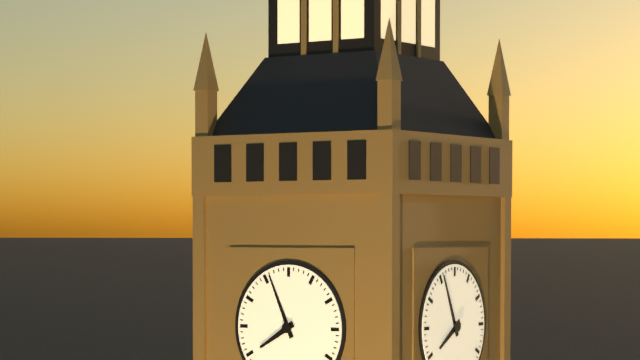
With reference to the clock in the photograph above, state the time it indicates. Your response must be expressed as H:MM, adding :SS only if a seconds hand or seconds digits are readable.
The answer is 7:56
